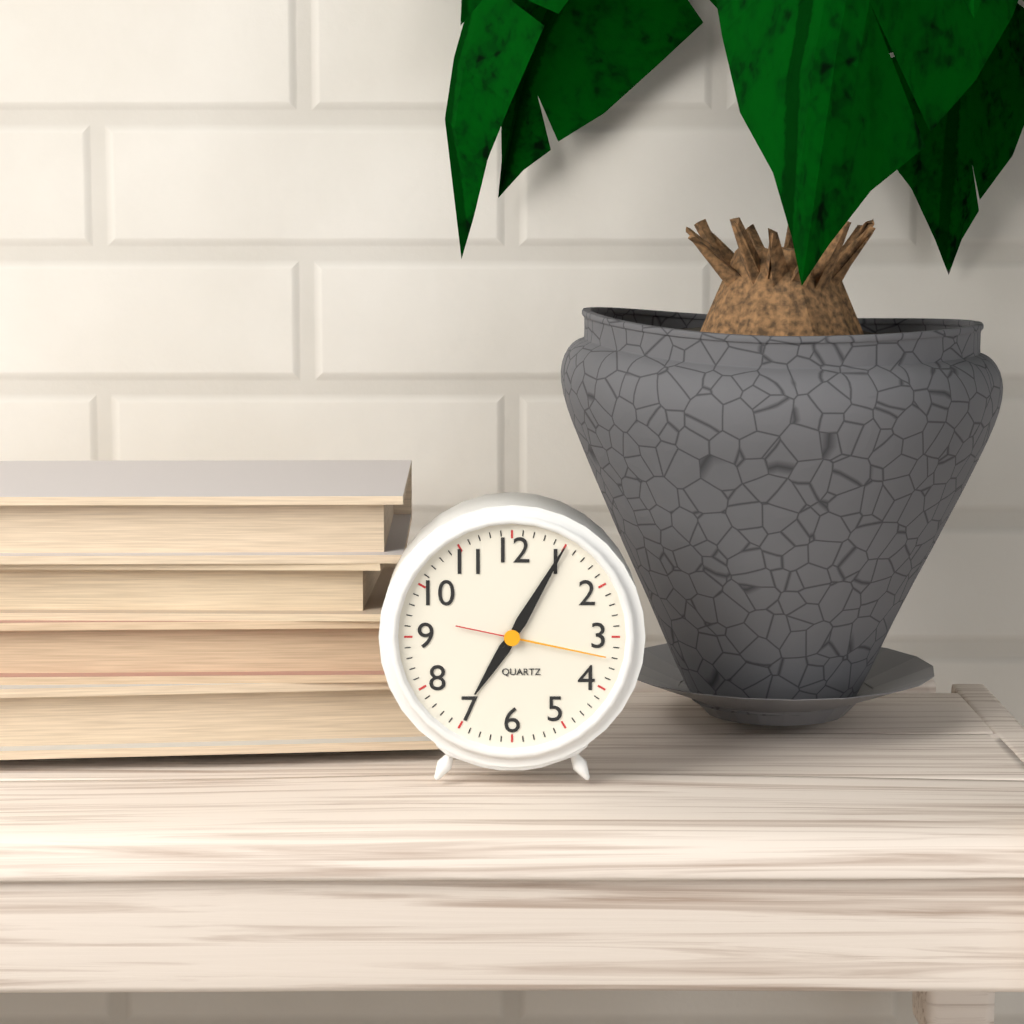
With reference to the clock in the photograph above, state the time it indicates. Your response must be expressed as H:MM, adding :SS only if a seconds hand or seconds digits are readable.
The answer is 7:05:17
